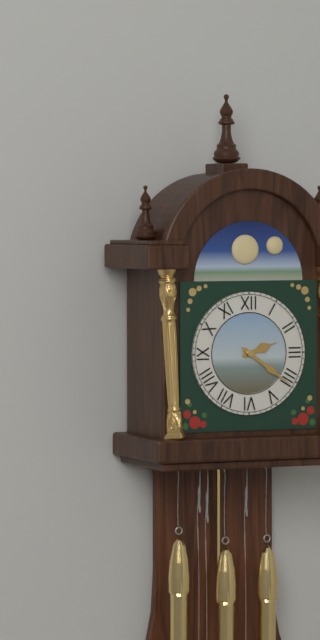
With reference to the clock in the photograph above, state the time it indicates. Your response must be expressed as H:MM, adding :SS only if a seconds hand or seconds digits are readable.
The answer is 2:21
